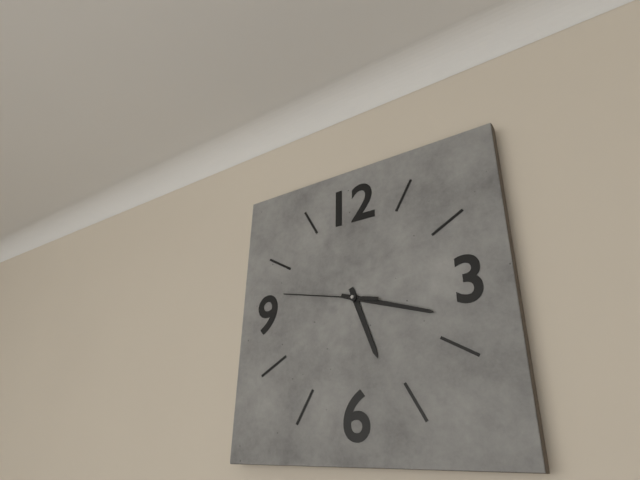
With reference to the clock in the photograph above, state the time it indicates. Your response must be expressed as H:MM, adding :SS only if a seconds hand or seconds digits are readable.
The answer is 5:18:47
